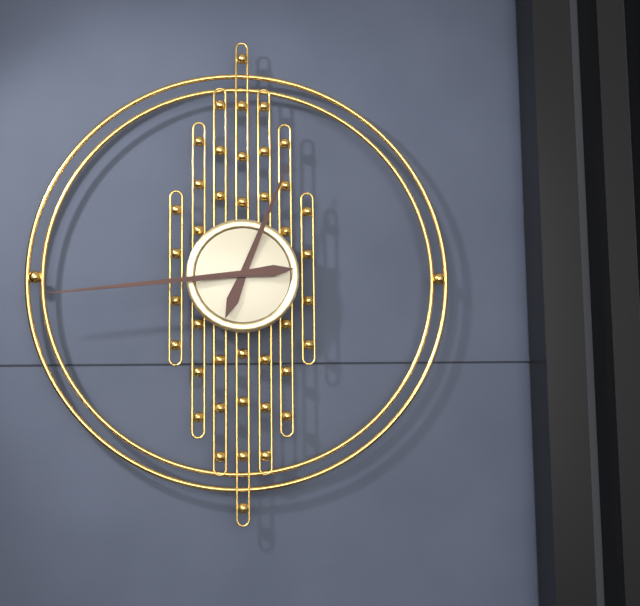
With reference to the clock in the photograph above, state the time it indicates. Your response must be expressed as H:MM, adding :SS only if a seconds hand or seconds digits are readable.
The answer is 12:44
